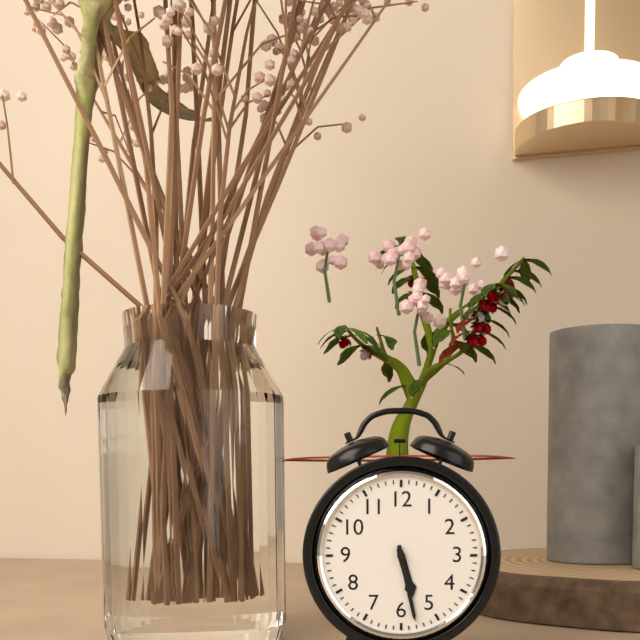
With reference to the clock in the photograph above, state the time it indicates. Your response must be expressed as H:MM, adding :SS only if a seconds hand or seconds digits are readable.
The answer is 5:28
